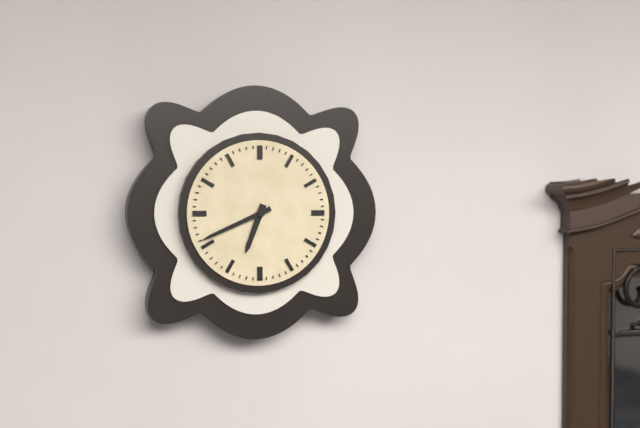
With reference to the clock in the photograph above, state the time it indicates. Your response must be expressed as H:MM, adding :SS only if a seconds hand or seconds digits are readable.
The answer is 6:41
